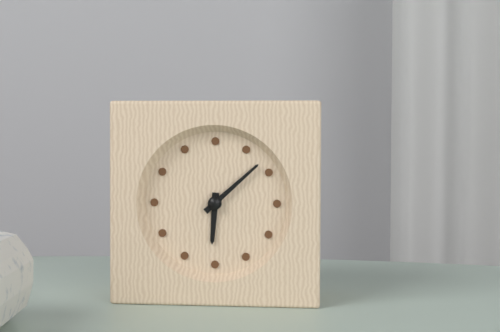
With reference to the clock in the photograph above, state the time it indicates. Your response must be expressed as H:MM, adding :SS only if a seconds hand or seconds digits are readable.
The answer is 6:08
